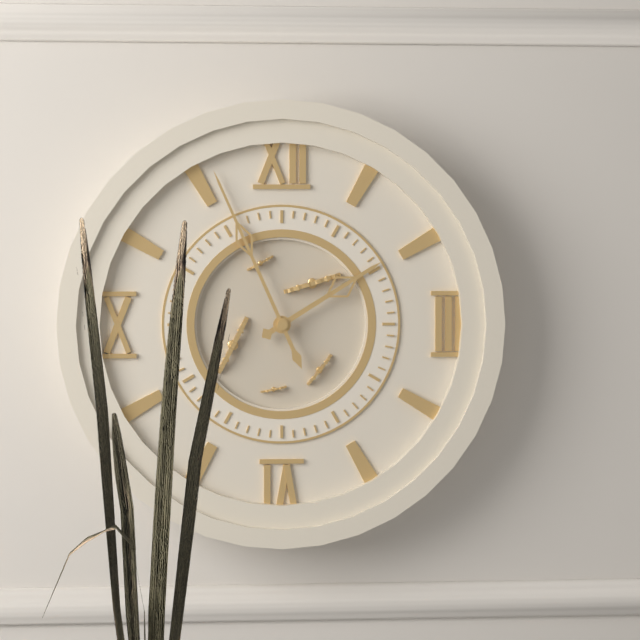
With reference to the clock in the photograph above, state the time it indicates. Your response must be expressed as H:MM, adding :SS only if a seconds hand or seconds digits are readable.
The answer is 1:56
